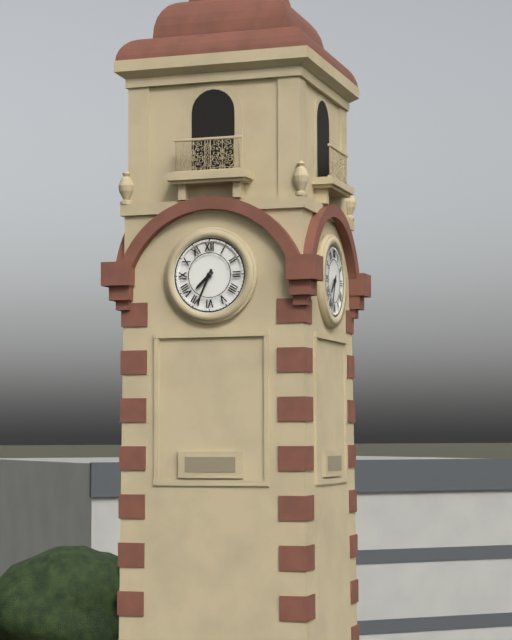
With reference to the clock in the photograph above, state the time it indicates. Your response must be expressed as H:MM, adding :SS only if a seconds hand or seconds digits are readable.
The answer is 7:34
